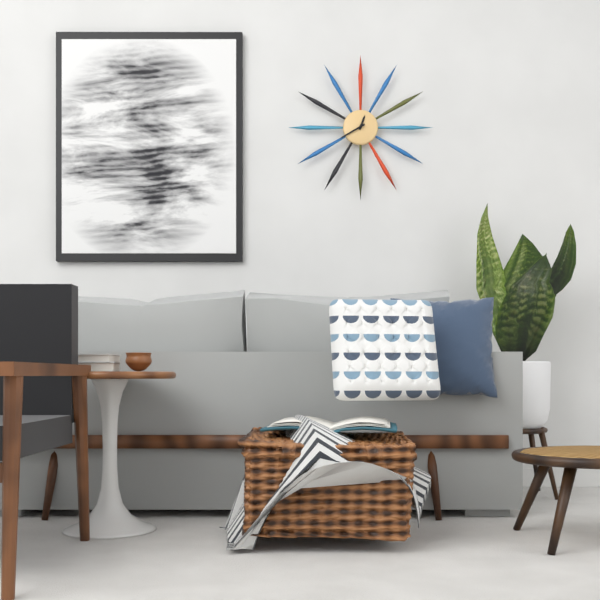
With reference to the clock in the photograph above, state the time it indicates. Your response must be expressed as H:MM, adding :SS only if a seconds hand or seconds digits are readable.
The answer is 12:40
